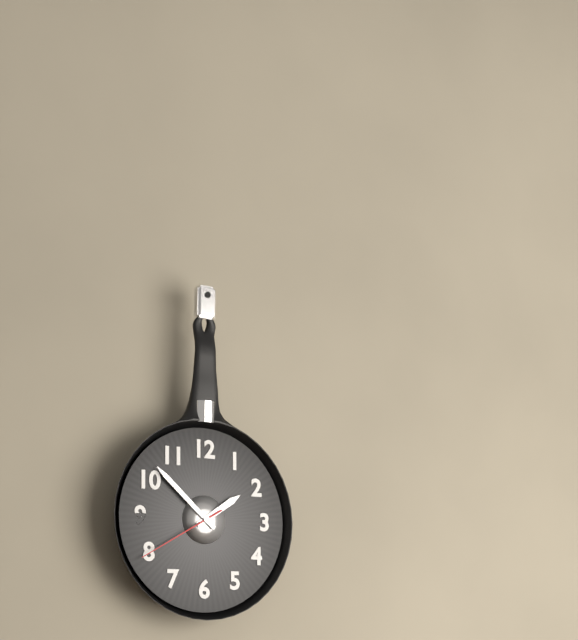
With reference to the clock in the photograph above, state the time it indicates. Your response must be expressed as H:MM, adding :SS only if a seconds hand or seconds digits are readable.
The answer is 1:52:40
